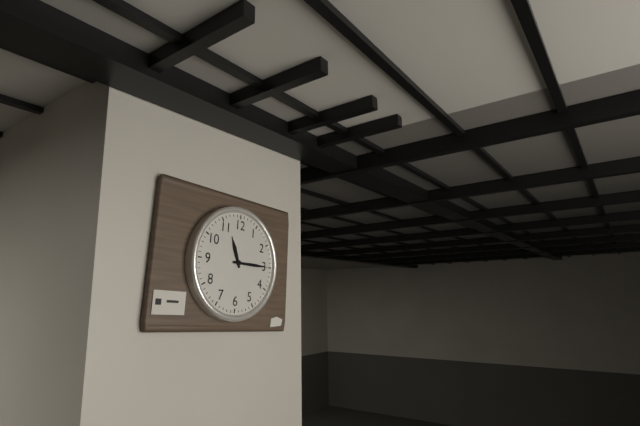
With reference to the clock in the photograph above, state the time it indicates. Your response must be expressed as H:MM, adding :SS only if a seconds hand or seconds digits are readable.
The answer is 11:15
